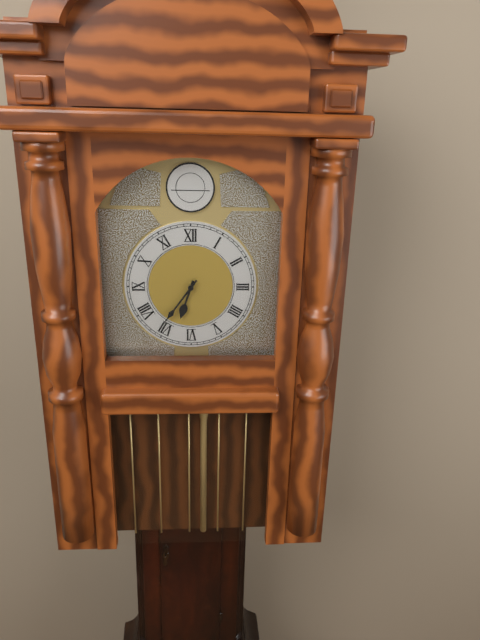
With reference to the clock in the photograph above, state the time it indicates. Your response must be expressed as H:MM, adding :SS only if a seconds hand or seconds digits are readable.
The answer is 6:36
